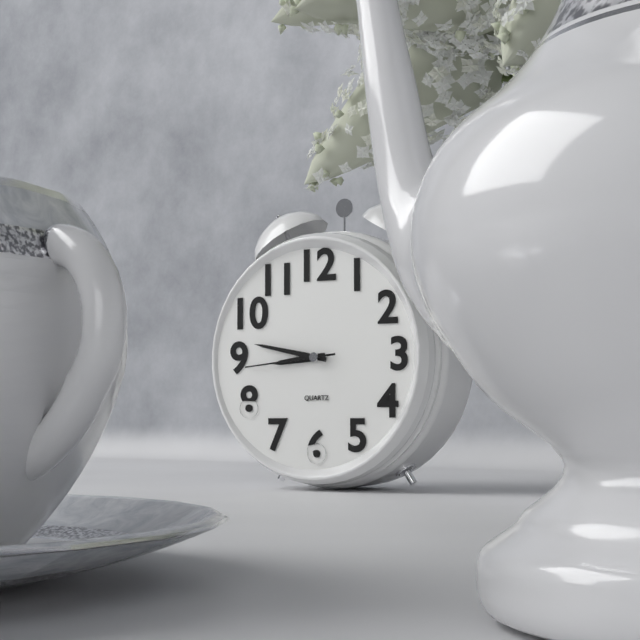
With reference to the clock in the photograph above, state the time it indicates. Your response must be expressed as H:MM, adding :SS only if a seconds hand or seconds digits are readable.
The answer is 8:47:44
